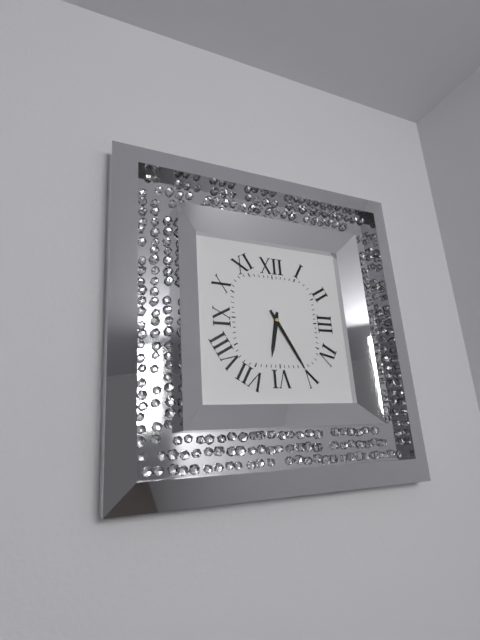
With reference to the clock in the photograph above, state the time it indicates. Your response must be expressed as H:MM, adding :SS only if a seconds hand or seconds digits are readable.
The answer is 6:25
